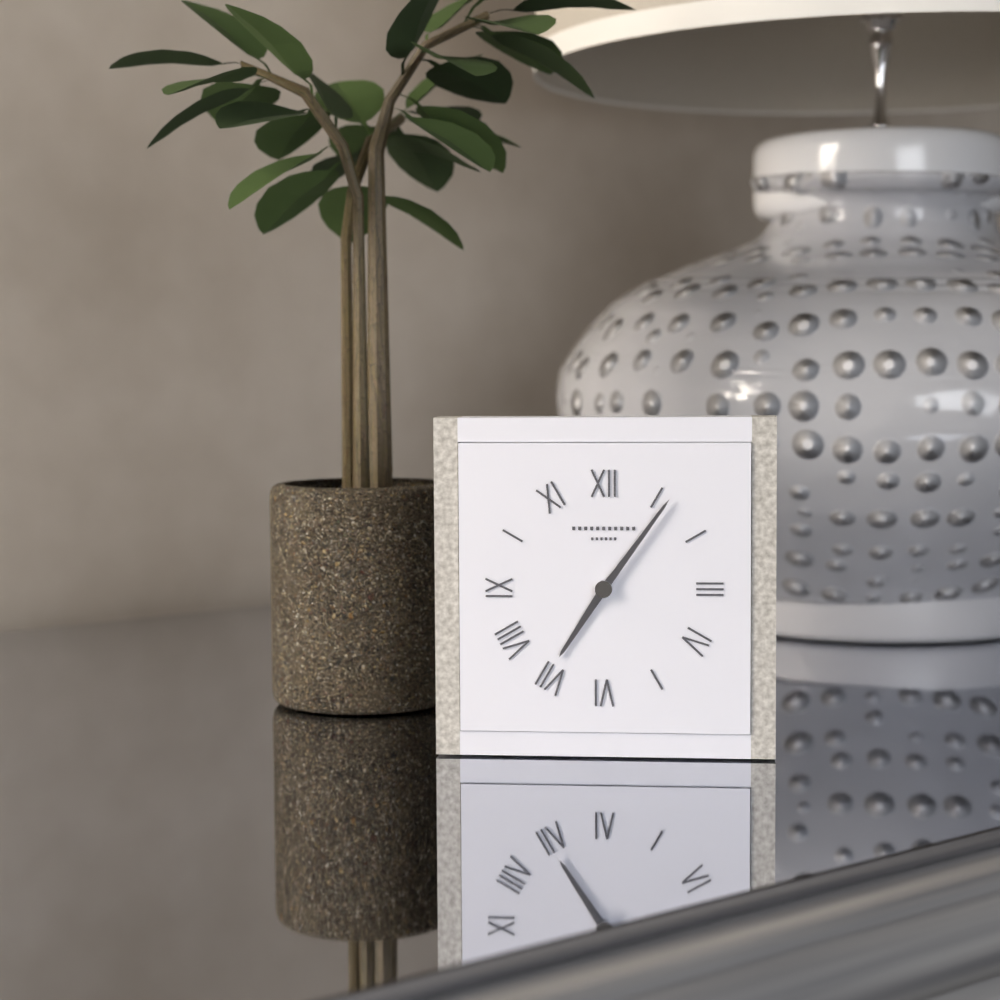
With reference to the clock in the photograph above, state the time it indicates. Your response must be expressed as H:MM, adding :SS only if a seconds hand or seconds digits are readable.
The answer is 7:06
